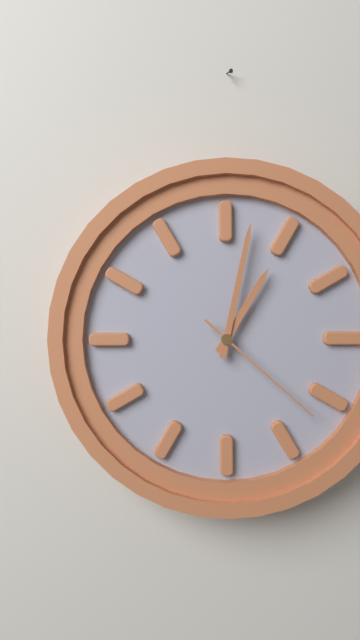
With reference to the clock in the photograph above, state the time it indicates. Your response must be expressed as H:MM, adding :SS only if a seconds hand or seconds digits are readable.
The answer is 1:02:22
